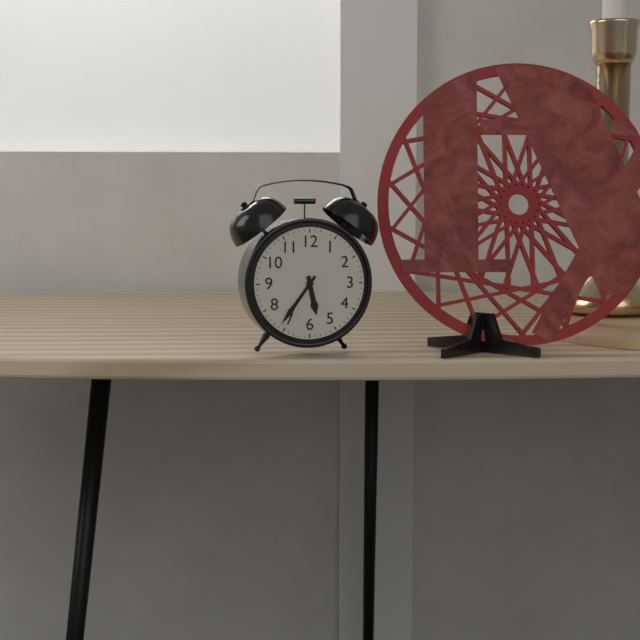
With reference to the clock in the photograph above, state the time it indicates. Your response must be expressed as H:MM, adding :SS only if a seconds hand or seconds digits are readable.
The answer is 5:36
